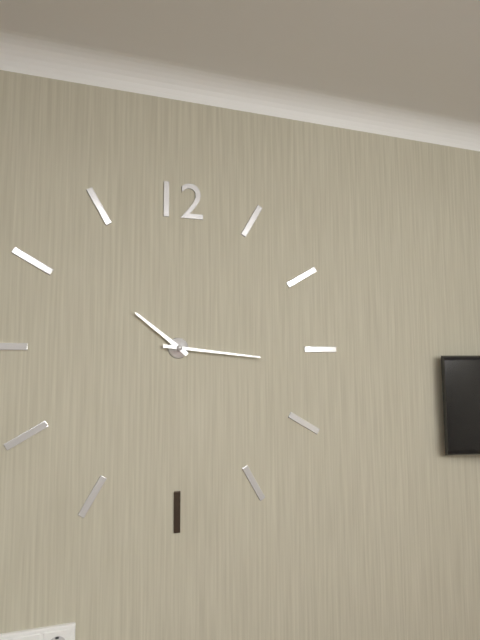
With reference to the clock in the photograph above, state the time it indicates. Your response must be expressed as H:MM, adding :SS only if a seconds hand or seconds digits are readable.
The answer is 10:16
